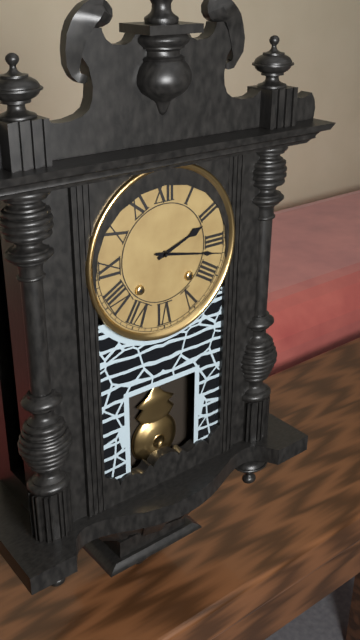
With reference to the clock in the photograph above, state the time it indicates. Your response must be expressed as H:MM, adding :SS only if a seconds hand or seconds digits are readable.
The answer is 2:17
